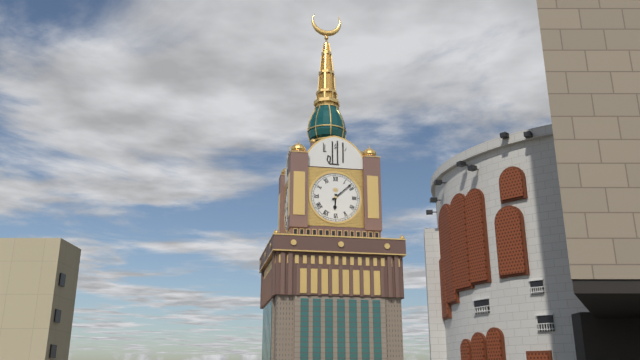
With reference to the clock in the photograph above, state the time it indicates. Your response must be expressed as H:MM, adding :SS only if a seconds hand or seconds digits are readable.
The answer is 6:08
